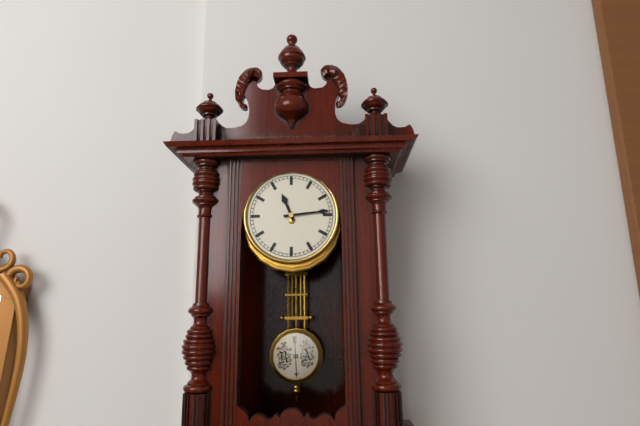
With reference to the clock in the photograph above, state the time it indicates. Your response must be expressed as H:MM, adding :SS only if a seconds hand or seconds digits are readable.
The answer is 11:14
